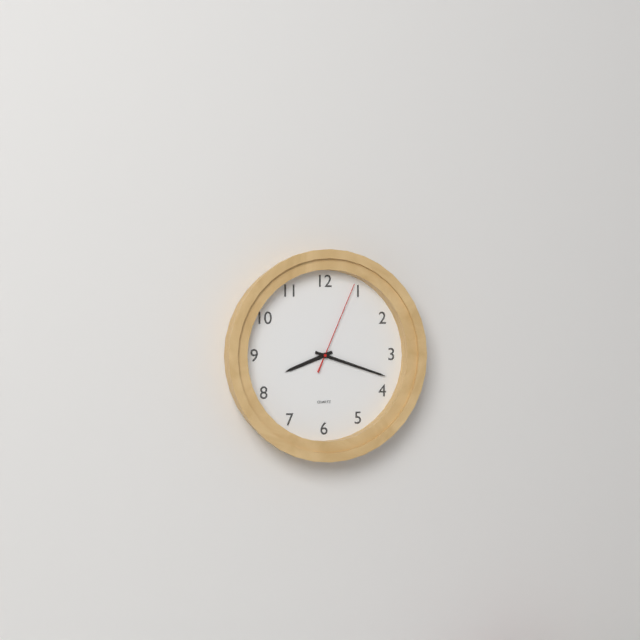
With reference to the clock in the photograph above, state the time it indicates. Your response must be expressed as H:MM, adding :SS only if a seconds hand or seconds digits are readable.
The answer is 8:18:04
